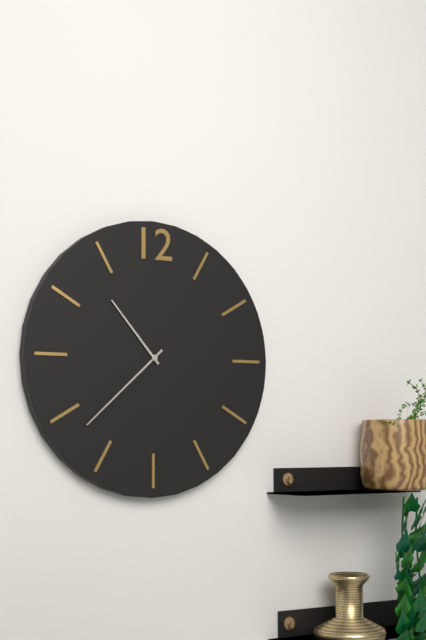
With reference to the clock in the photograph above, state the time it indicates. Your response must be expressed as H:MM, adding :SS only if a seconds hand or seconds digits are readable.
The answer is 10:38
